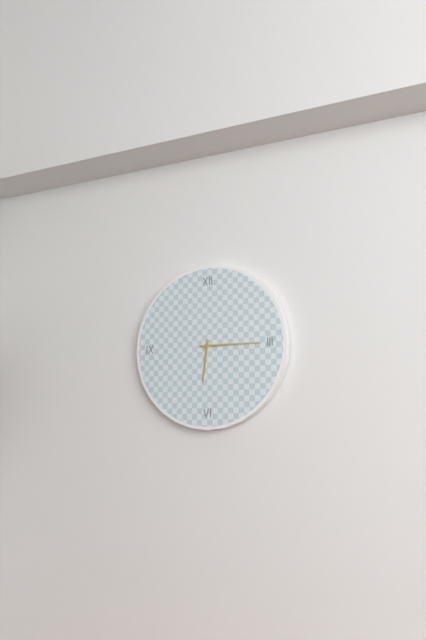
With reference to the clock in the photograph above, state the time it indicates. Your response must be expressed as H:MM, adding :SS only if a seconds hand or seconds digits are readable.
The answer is 6:15
